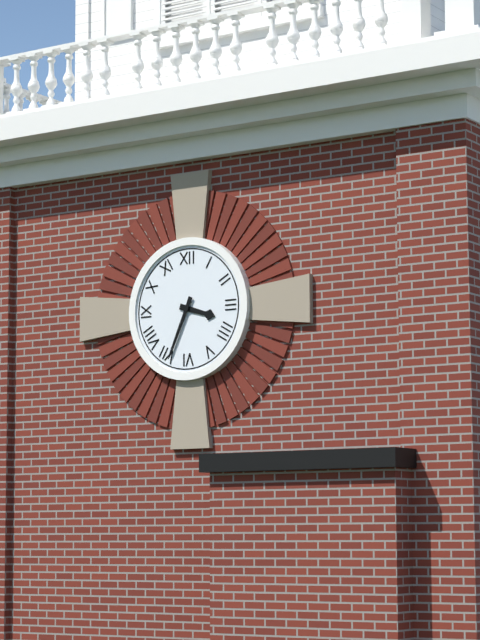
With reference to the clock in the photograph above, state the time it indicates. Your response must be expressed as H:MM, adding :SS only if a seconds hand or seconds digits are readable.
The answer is 3:34
